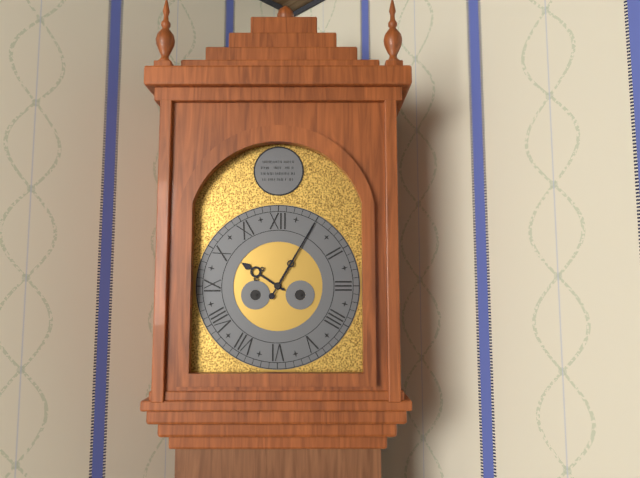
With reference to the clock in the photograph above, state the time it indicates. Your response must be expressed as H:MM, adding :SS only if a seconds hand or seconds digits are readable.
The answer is 10:05
